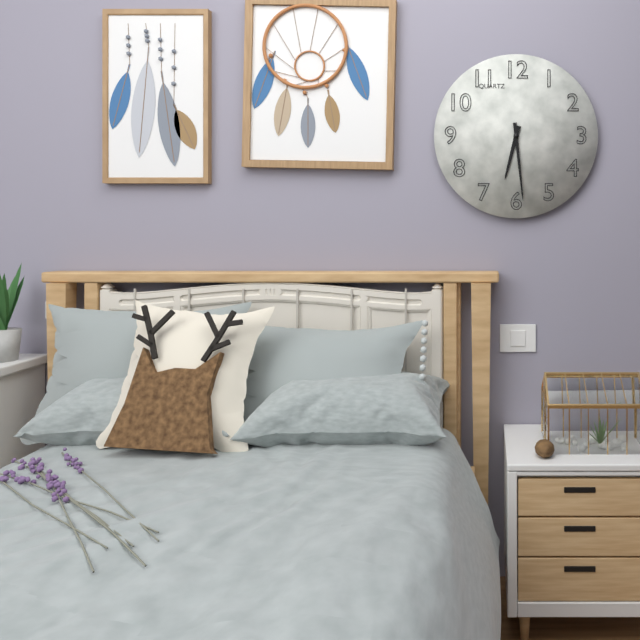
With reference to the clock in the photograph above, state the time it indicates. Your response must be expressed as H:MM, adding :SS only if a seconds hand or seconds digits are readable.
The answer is 6:29
